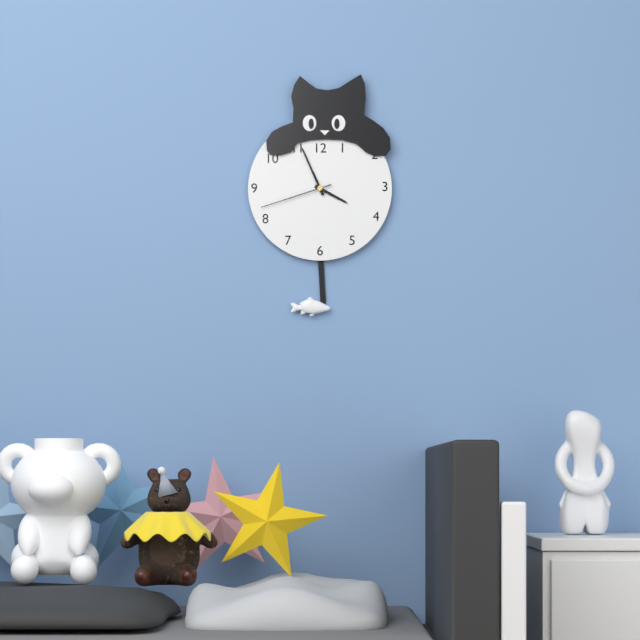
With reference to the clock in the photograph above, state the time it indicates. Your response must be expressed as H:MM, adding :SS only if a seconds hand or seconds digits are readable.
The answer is 3:56:42
